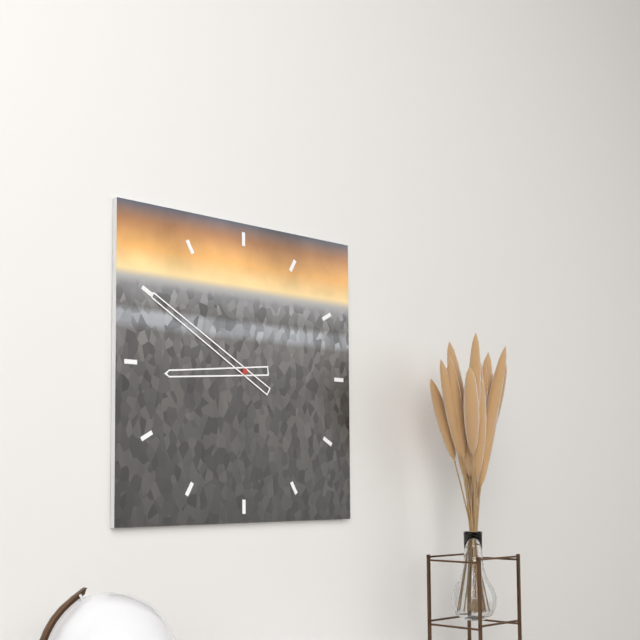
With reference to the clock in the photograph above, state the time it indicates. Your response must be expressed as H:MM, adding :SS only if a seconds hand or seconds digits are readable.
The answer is 8:50
